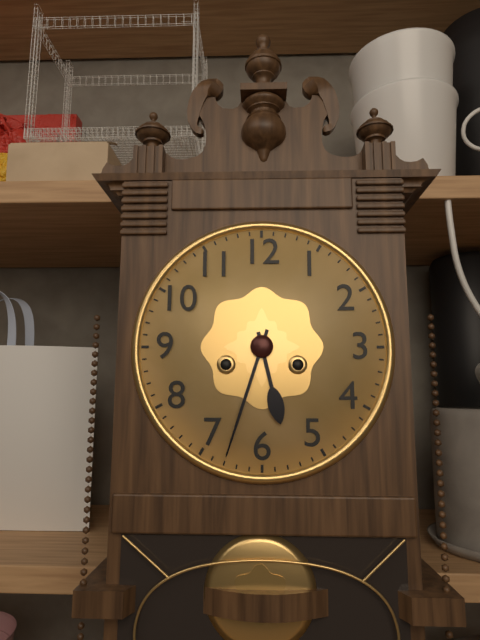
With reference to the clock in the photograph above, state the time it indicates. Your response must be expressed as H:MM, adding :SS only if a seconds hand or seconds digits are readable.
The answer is 5:33
